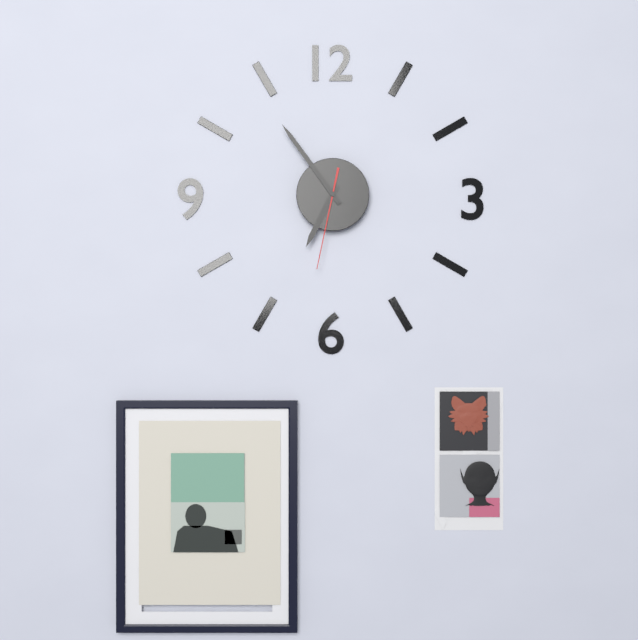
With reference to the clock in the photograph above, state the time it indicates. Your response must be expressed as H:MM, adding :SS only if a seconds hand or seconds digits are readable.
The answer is 6:54:32
